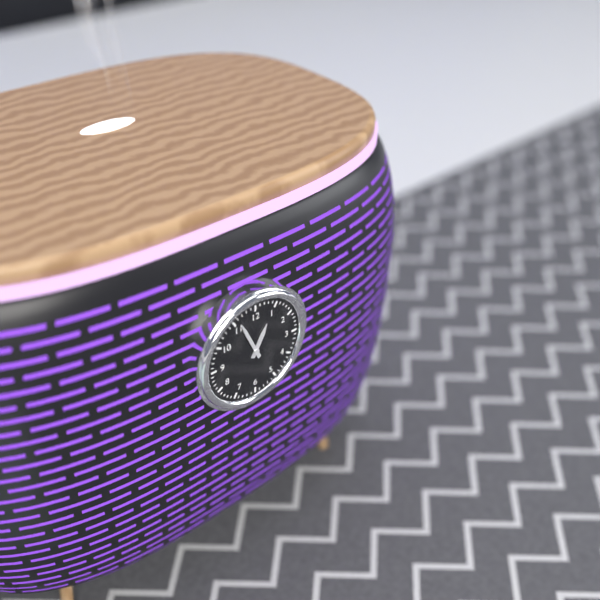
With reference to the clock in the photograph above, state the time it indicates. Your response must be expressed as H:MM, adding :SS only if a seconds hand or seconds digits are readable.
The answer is 12:56
